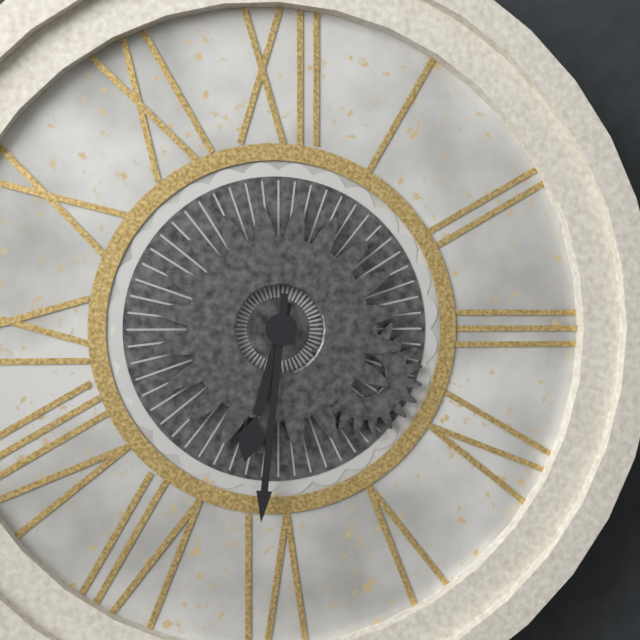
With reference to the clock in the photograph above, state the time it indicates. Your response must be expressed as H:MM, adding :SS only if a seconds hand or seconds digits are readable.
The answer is 6:31
